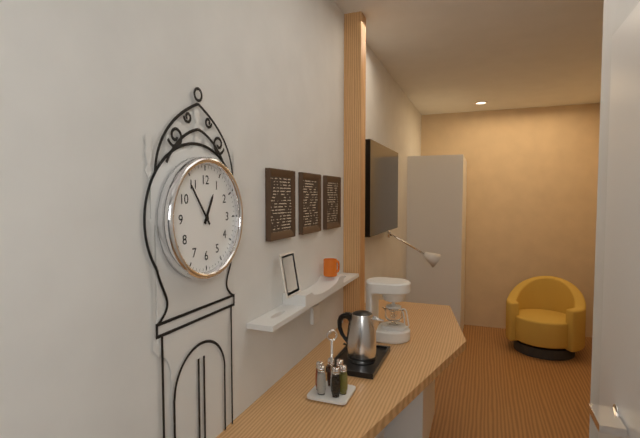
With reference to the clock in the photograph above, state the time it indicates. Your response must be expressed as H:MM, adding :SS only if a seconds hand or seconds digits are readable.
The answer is 12:54
